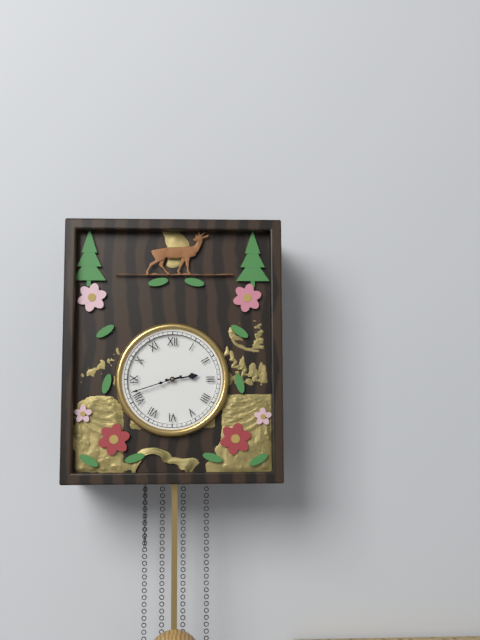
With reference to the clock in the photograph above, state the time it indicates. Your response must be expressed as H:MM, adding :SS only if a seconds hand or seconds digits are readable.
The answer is 2:42
